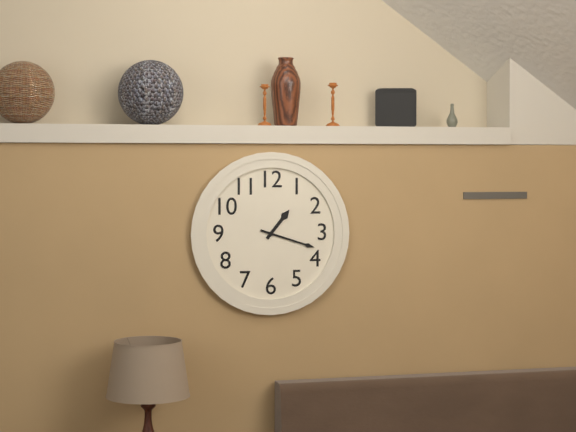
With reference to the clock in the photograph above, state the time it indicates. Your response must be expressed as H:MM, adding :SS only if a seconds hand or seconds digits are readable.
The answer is 1:18
